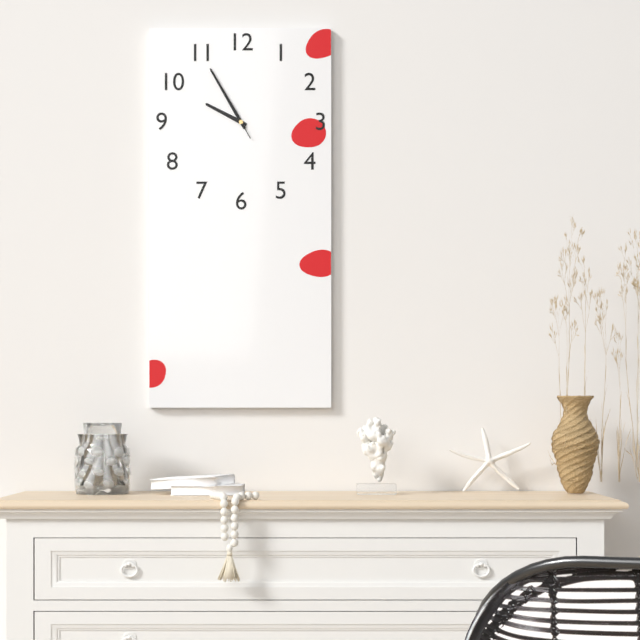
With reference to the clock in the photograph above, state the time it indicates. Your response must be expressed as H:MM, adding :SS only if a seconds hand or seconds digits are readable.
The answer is 9:55:55
